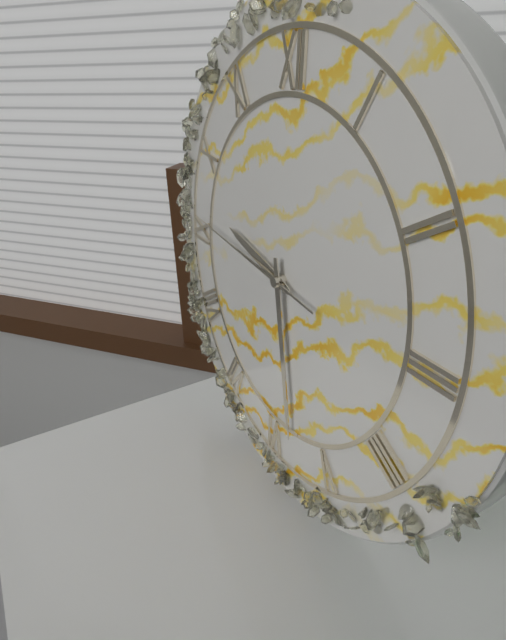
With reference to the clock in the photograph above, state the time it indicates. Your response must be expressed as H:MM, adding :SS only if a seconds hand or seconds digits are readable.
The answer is 9:28:46
